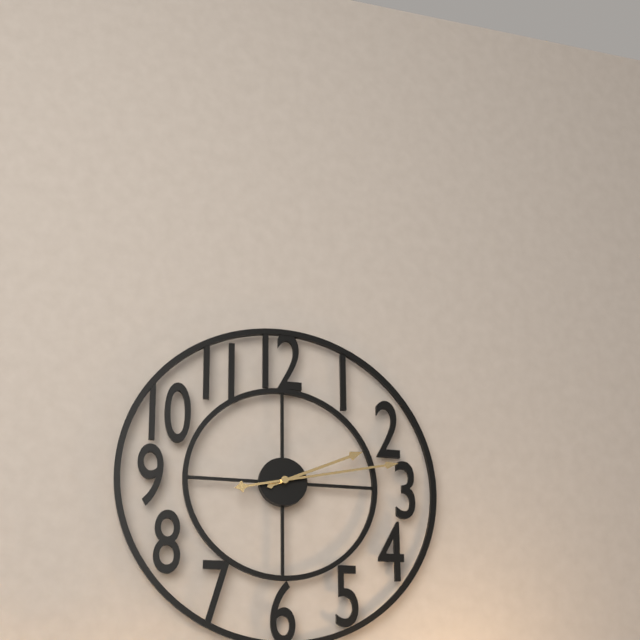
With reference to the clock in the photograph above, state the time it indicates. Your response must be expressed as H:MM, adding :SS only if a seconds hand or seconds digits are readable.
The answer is 2:13
